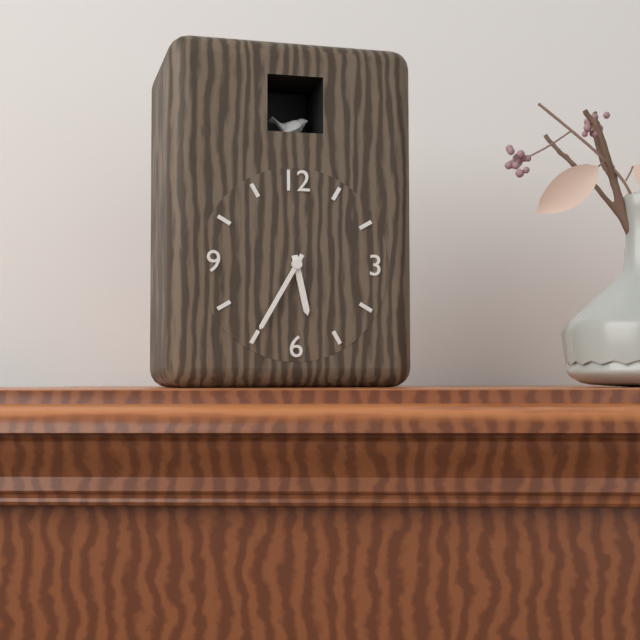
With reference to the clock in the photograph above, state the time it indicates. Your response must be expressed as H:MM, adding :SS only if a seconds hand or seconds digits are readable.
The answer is 5:35
